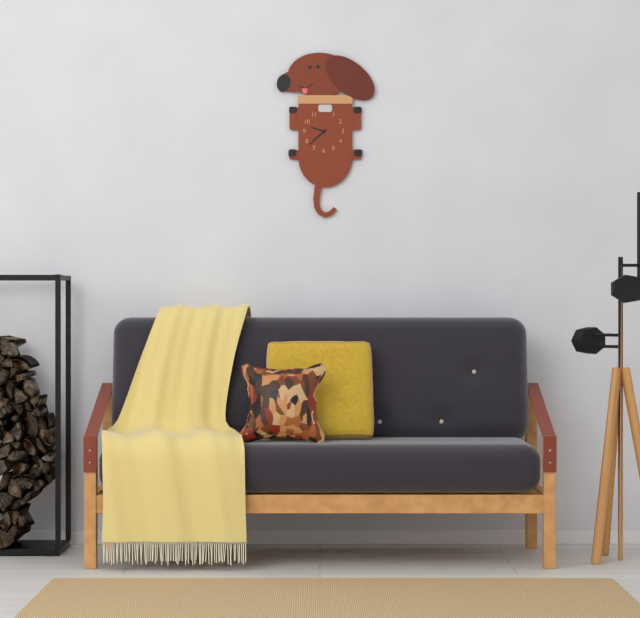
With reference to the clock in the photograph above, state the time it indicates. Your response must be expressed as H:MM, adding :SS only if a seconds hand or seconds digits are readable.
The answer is 9:38
